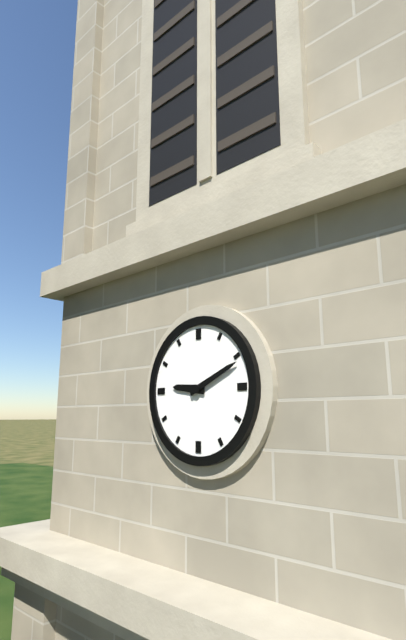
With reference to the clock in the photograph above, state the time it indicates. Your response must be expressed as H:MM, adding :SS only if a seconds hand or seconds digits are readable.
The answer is 9:11
